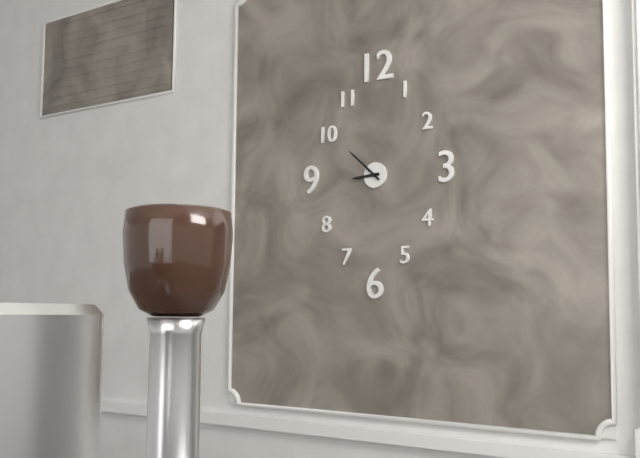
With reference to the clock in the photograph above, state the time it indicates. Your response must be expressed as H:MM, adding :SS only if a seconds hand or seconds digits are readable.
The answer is 8:52
